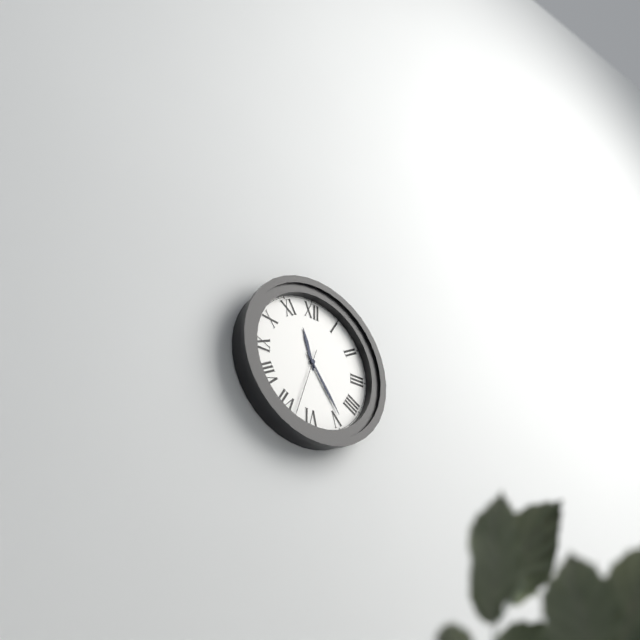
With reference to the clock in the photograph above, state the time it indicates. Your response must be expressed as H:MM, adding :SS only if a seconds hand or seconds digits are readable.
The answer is 11:24:33
